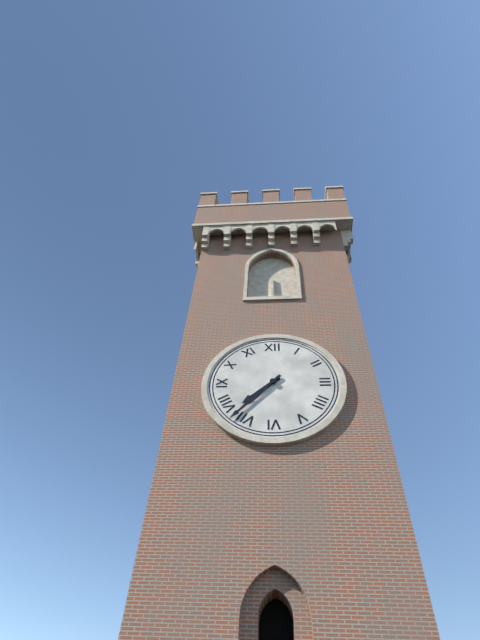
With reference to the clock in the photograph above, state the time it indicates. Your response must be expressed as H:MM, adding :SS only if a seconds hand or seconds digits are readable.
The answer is 7:37
